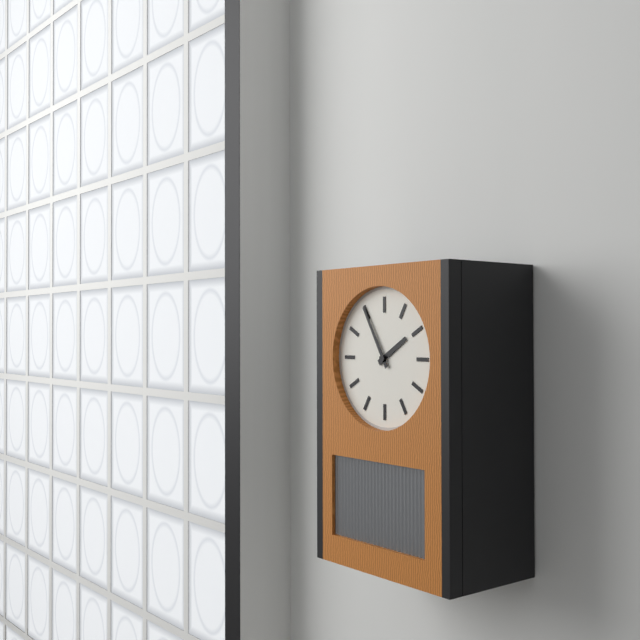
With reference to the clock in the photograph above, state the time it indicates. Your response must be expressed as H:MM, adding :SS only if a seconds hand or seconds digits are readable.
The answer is 1:55
